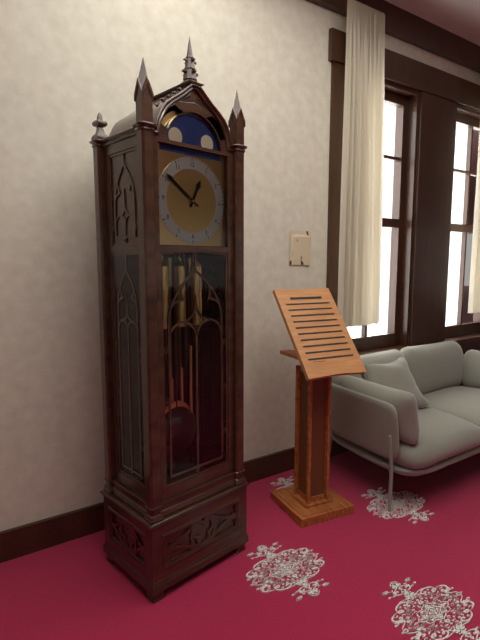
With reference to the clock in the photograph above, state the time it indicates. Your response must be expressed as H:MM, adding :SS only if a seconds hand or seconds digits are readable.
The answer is 12:51
